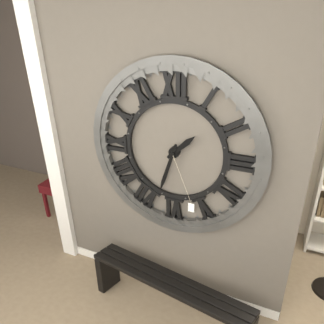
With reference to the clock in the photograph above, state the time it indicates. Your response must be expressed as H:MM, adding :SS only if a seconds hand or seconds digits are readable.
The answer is 1:33
